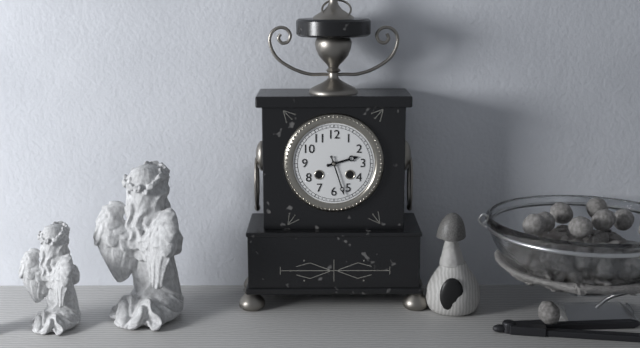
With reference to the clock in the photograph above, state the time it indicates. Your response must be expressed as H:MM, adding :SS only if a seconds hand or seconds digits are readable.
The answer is 2:27
